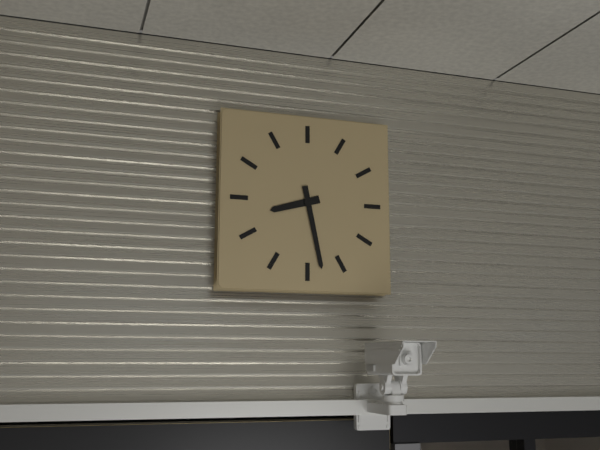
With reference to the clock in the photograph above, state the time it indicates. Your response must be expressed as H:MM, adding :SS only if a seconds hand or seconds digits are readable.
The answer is 8:28
